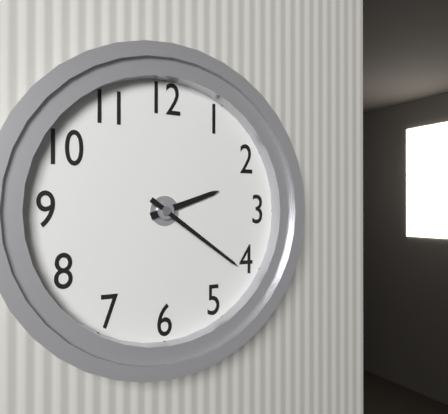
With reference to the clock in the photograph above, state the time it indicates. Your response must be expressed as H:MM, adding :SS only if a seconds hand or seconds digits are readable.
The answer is 2:21
